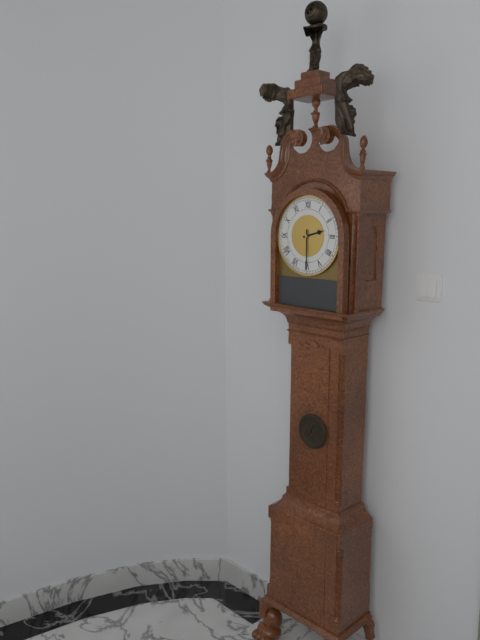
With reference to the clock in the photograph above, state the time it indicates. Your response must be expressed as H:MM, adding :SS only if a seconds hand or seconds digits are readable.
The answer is 2:30
